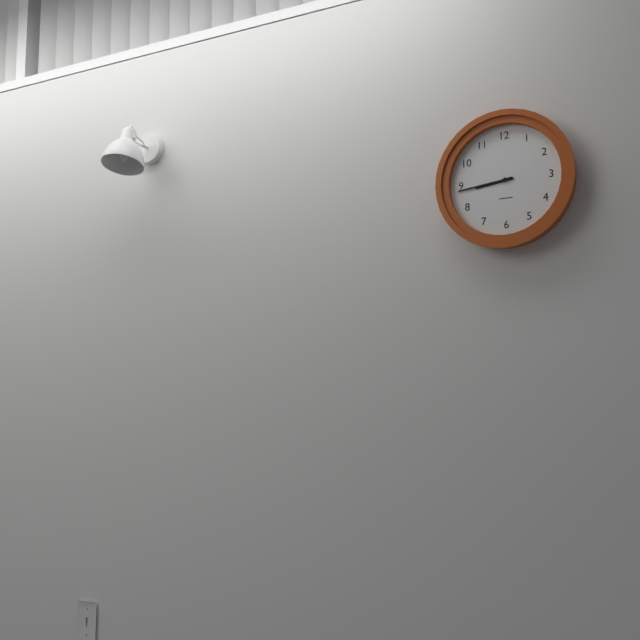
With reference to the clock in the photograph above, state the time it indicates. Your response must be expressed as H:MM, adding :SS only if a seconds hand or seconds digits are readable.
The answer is 8:44
